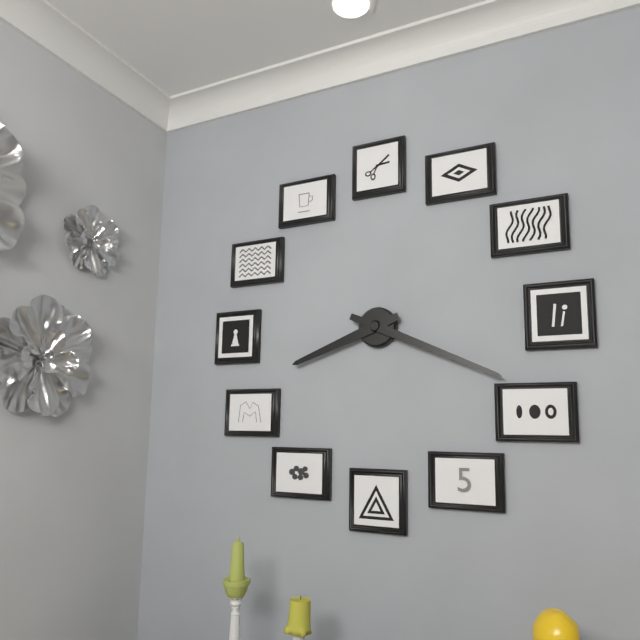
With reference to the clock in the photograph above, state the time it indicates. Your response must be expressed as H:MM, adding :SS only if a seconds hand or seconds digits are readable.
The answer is 8:19
